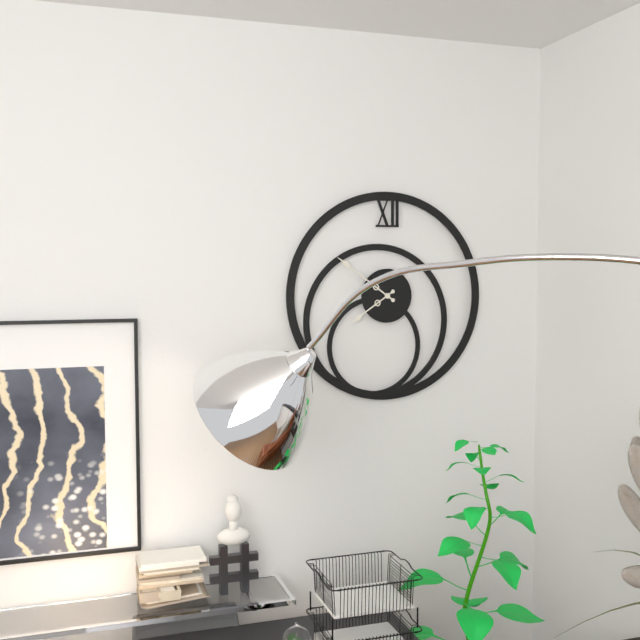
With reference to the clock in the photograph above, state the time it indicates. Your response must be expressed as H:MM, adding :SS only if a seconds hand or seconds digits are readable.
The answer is 7:51
